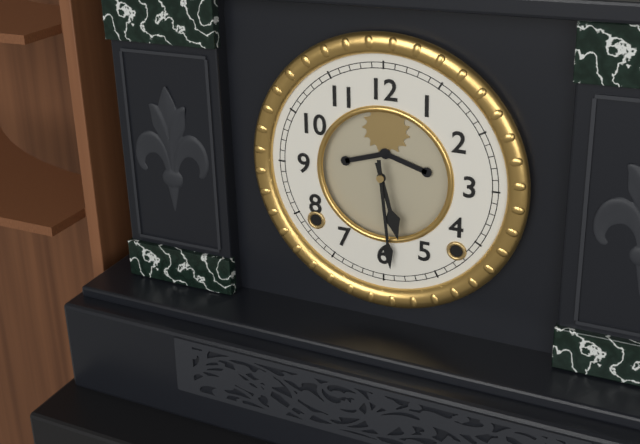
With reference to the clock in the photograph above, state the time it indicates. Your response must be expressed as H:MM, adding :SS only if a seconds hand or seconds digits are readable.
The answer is 5:29
